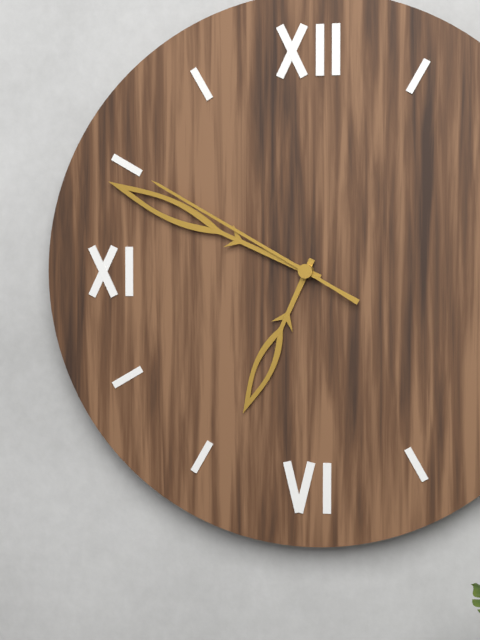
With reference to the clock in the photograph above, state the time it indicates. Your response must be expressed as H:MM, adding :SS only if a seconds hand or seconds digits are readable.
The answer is 6:49:50
